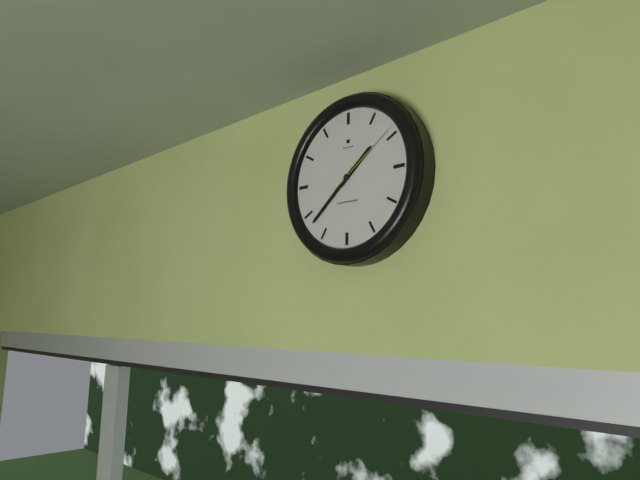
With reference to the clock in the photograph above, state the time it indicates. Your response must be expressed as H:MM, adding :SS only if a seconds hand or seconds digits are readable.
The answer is 1:38:09
